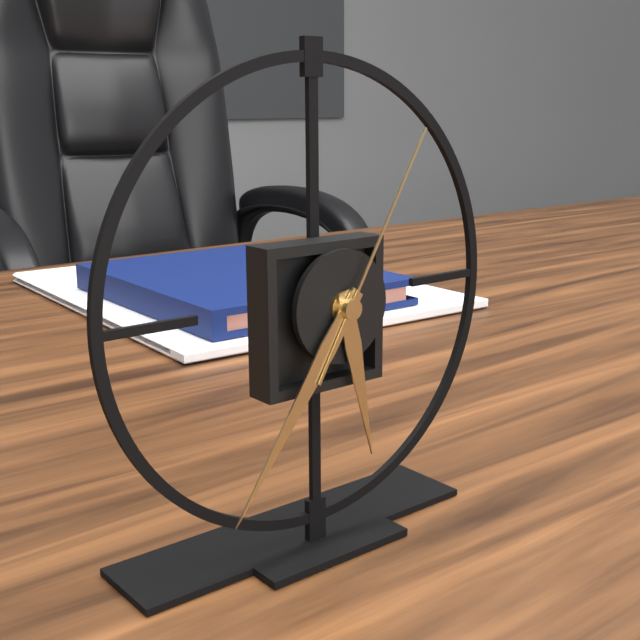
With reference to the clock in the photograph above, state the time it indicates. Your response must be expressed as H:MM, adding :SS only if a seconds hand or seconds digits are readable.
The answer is 5:36:05
